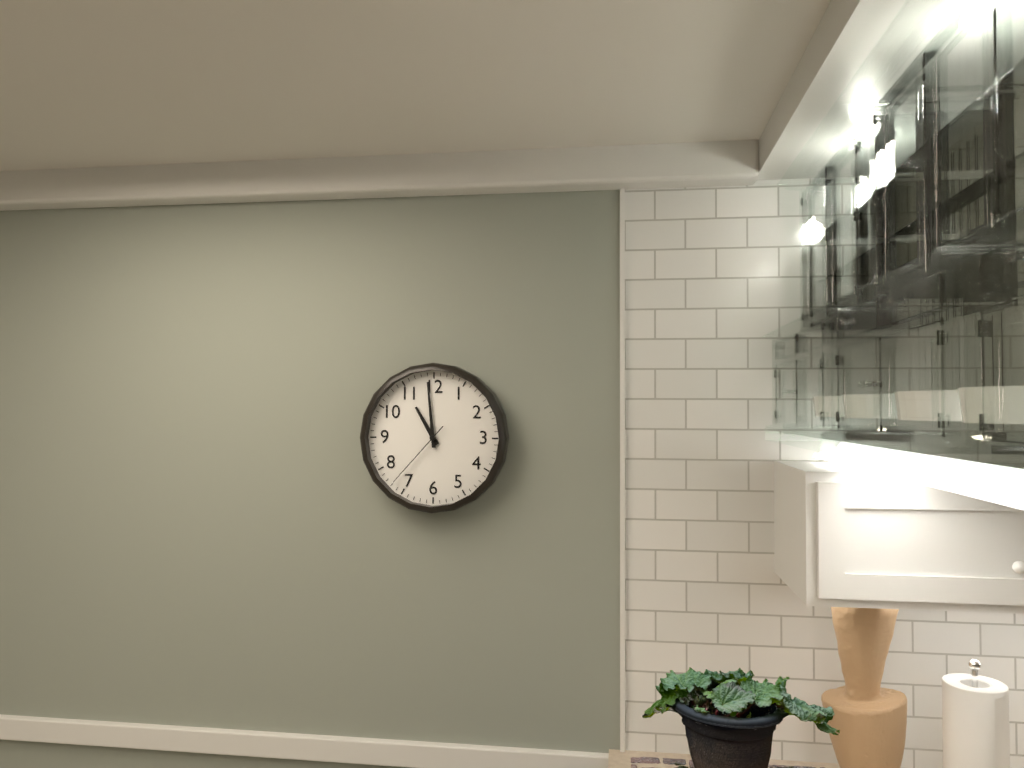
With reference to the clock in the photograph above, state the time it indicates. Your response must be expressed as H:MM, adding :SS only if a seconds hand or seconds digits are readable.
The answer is 10:59:37
